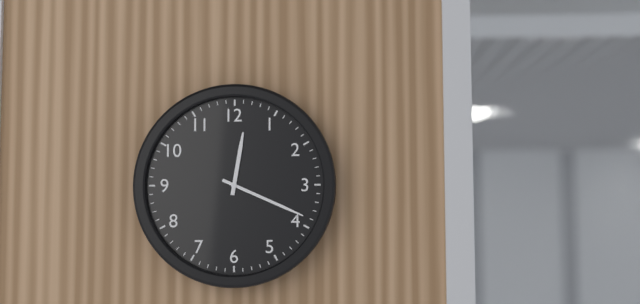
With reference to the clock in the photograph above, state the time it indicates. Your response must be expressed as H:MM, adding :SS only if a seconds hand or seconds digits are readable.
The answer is 12:19
